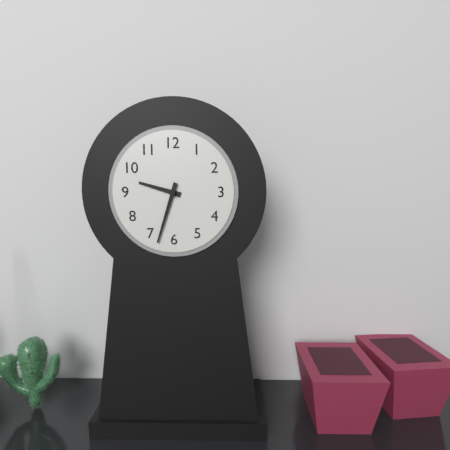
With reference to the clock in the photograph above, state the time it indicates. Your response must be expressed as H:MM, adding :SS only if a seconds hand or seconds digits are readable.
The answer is 9:33
